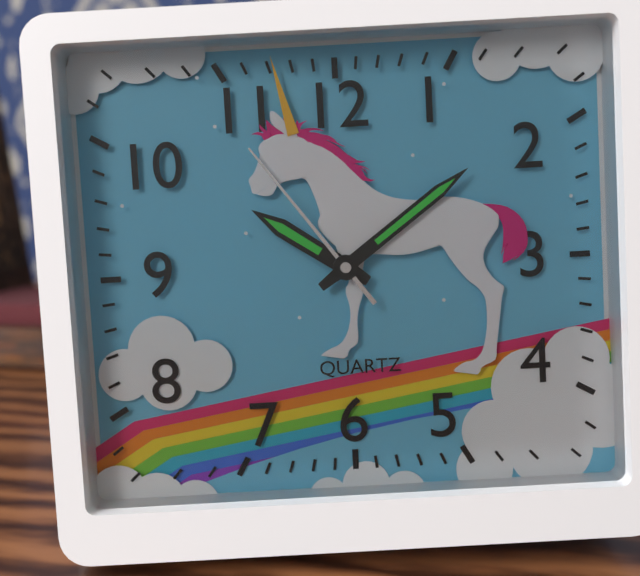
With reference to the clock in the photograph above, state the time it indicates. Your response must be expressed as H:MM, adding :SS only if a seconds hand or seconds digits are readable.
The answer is 10:09:54
